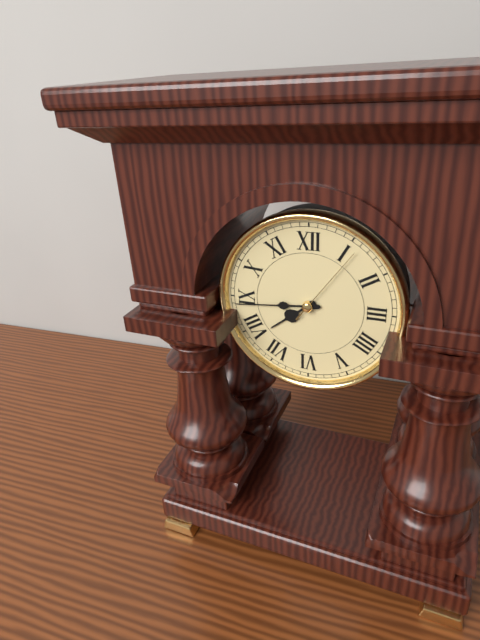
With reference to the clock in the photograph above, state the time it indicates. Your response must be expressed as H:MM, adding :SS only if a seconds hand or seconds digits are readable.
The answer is 7:44:06
